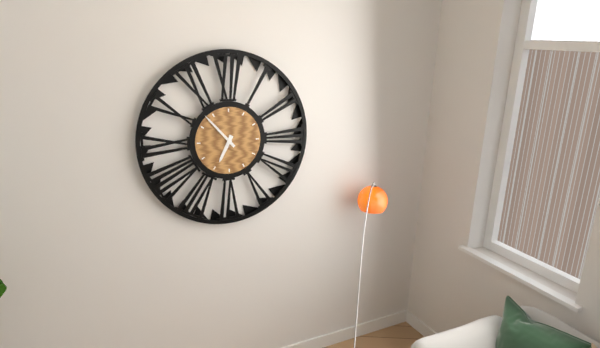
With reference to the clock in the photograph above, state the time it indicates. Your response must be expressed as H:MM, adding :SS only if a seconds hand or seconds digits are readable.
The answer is 6:53
